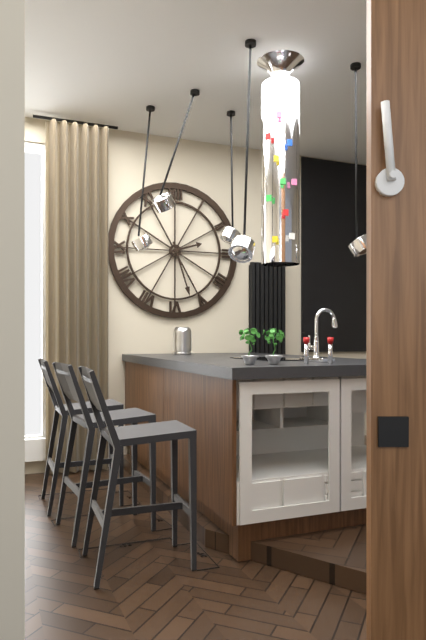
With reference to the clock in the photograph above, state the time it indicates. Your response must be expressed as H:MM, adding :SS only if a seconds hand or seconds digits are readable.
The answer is 2:27
